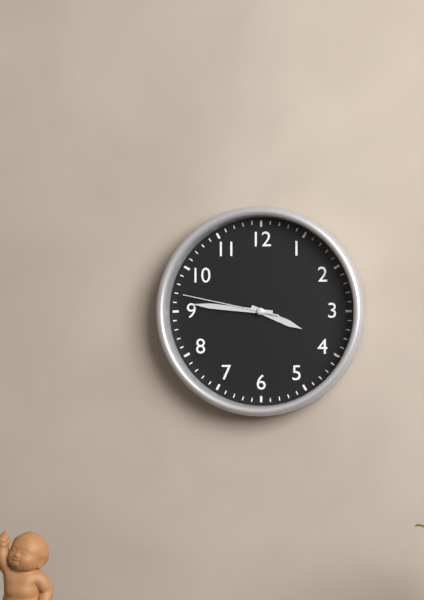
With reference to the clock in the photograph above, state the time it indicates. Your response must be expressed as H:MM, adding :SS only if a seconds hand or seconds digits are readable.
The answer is 3:46:47
